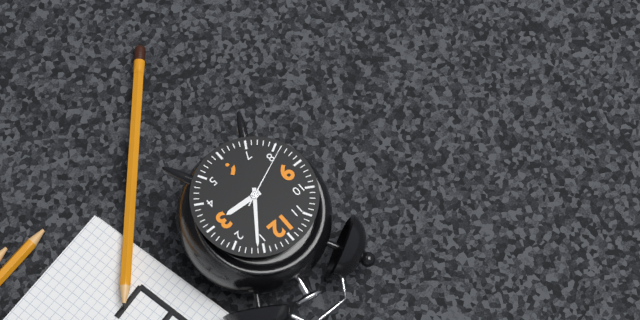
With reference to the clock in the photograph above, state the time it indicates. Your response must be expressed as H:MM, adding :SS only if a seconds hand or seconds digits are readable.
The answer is 3:06:41
